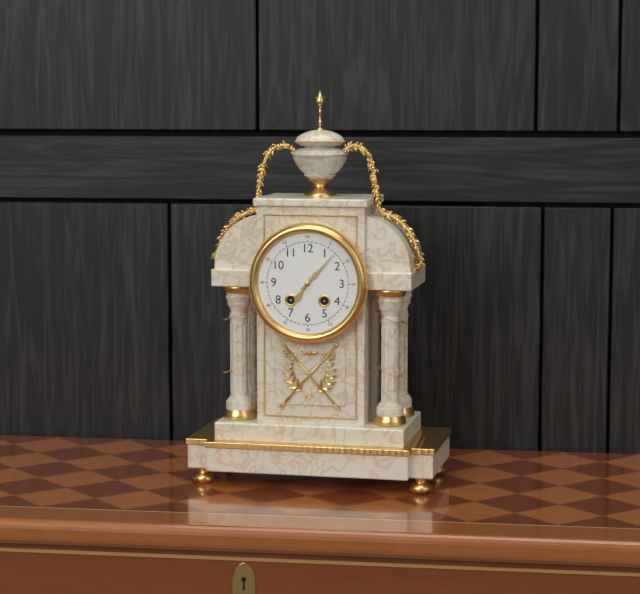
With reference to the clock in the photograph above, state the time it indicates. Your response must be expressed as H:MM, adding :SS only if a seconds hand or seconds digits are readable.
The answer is 7:07
